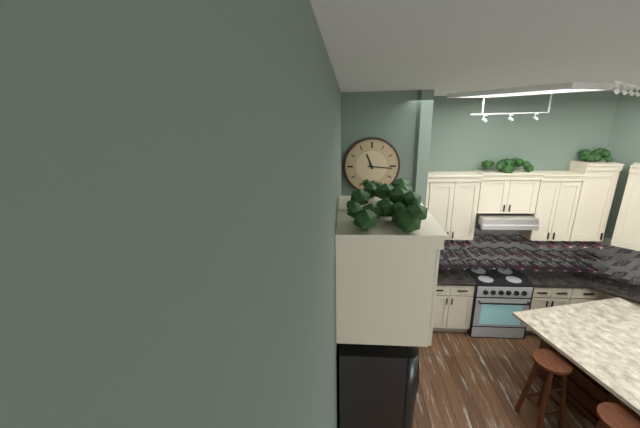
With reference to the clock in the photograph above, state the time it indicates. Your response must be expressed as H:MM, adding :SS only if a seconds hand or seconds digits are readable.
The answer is 11:16
